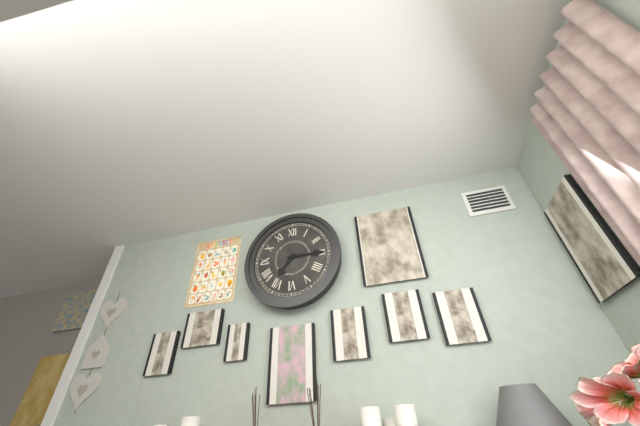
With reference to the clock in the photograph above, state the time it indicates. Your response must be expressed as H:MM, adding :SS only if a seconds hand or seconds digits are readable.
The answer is 7:15
